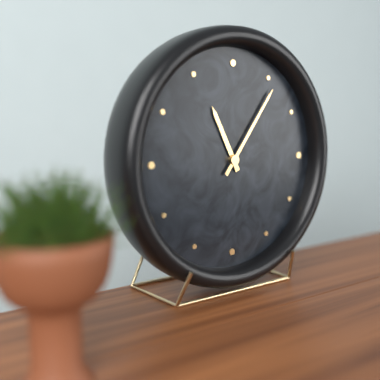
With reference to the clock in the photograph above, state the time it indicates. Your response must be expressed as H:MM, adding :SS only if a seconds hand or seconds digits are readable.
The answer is 11:06
